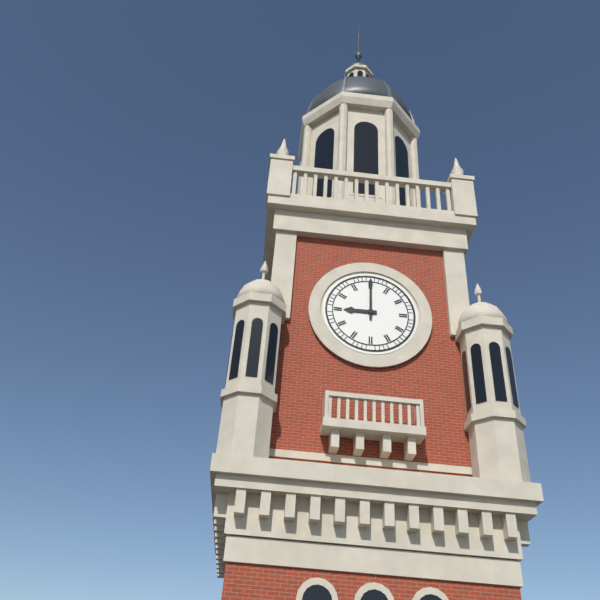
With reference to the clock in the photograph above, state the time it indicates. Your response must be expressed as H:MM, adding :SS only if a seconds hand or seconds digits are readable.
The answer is 9:00
